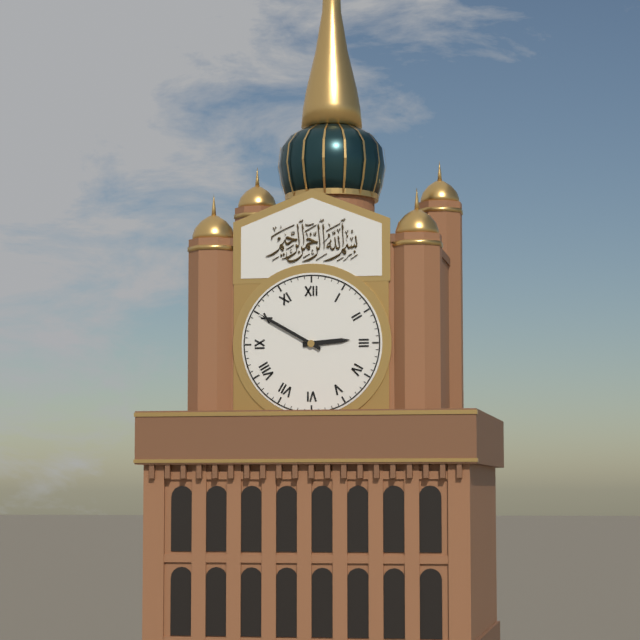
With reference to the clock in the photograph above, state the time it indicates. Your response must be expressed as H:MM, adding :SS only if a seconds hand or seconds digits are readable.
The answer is 2:50
